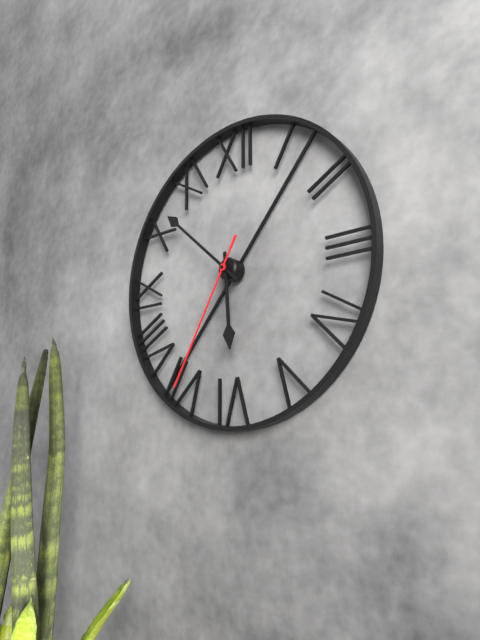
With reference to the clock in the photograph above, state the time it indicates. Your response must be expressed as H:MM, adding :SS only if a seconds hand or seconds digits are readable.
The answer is 5:52:35
